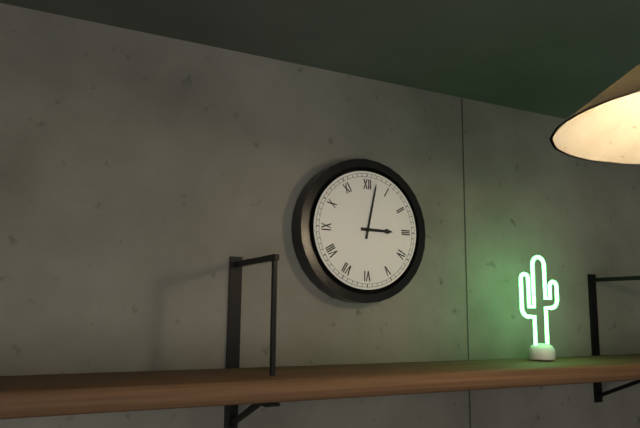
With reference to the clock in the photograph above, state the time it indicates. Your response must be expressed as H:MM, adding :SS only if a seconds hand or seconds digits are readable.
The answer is 3:02
